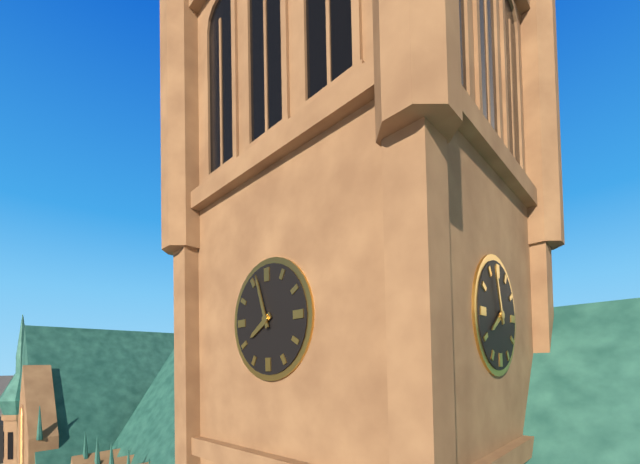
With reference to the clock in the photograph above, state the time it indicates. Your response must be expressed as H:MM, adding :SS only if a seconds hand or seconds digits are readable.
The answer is 7:57
